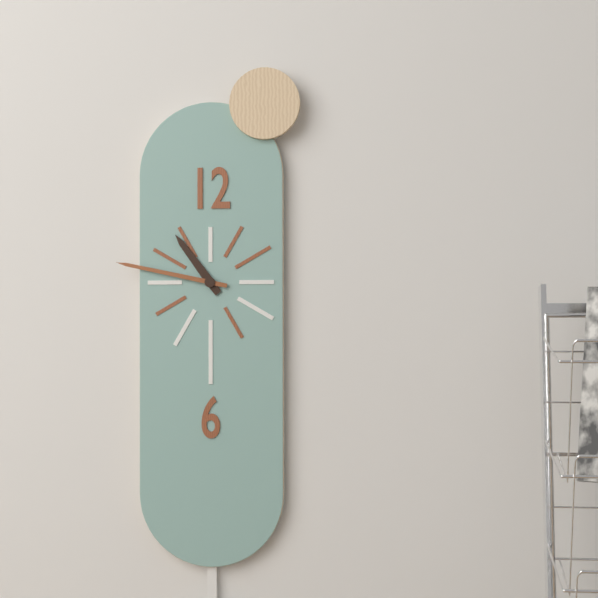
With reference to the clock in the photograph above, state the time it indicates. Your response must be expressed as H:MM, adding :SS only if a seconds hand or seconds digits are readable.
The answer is 10:47
